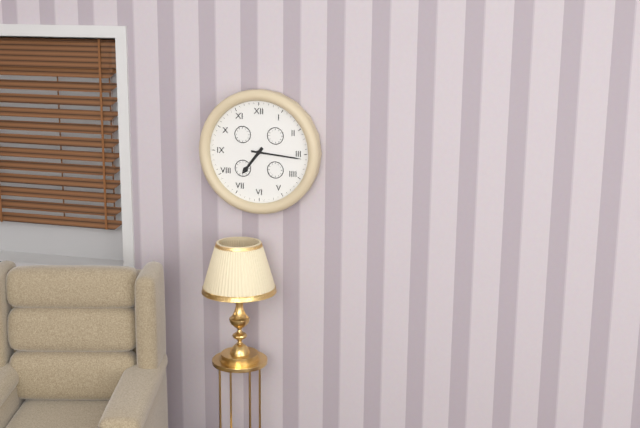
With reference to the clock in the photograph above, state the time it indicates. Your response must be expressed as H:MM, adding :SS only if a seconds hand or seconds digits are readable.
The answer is 7:16
